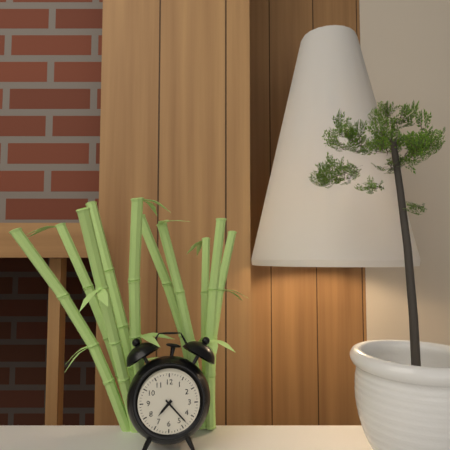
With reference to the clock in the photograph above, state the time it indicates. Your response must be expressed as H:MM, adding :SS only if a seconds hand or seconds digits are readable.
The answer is 7:23
